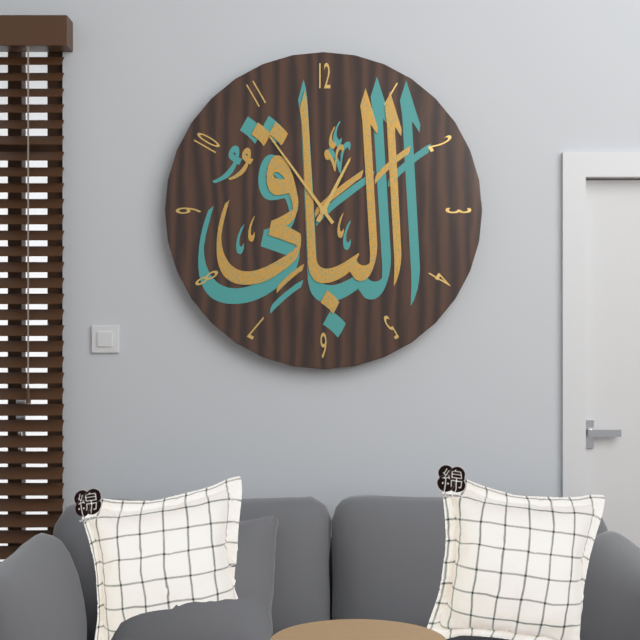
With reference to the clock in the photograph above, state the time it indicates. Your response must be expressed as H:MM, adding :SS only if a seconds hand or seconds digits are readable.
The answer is 12:54
